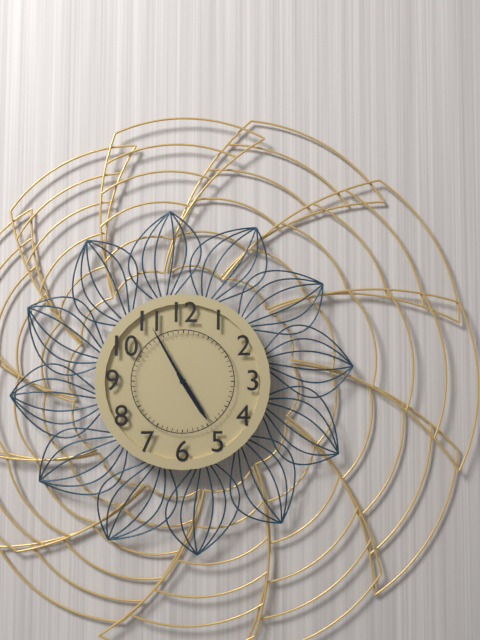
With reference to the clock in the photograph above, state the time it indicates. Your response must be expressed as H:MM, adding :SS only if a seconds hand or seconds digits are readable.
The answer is 4:55
